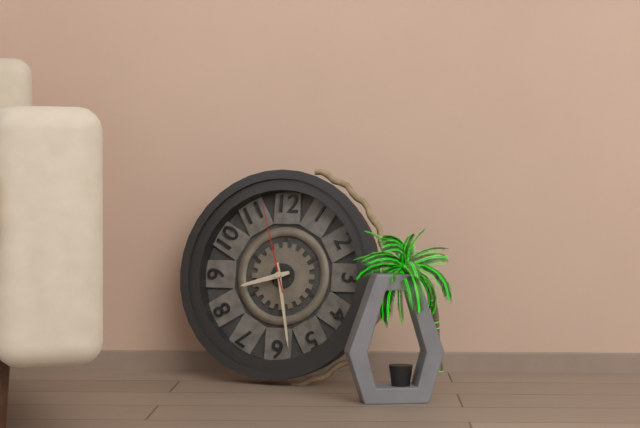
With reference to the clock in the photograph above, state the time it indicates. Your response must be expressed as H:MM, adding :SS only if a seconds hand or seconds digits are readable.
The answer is 8:28:57
